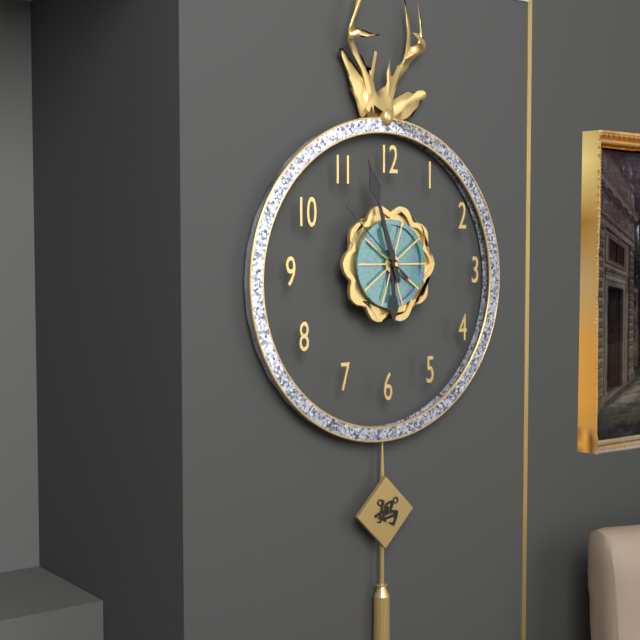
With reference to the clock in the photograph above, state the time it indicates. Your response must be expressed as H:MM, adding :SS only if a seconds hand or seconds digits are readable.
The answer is 5:57:52
